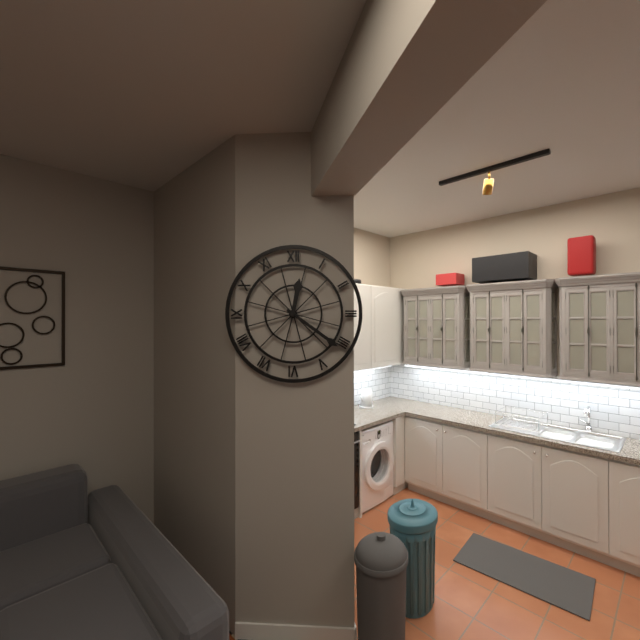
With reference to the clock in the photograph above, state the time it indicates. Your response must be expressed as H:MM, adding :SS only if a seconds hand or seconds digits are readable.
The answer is 12:21
